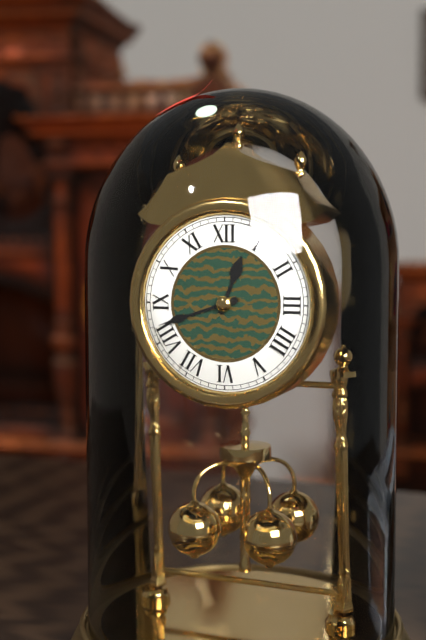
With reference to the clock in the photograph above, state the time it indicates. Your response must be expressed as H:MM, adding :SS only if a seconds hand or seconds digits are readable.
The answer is 12:42
